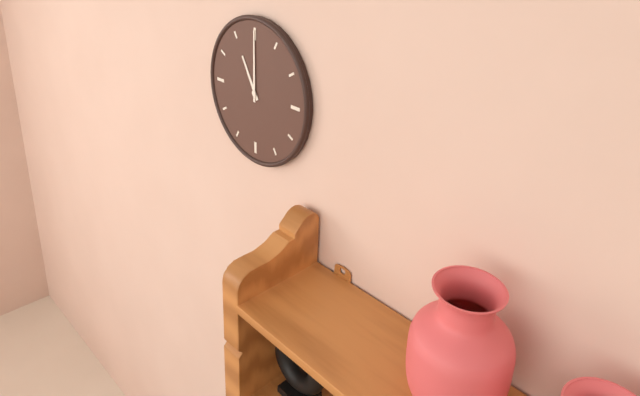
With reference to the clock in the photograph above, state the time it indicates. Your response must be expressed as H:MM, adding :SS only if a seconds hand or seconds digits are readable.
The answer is 11:00
